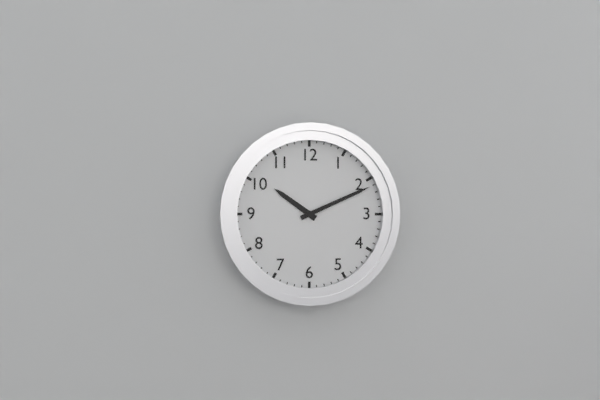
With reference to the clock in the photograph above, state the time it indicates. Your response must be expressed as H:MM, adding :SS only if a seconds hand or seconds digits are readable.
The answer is 10:11
